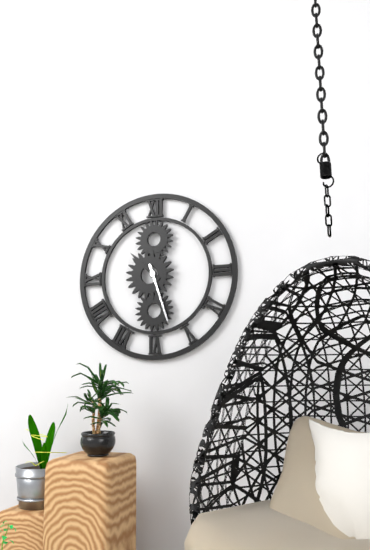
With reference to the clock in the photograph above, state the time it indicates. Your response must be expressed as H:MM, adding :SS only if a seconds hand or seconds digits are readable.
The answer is 10:27
